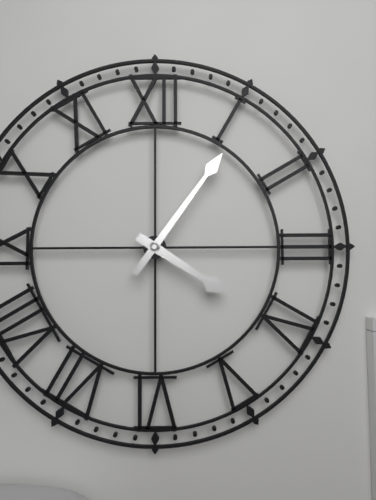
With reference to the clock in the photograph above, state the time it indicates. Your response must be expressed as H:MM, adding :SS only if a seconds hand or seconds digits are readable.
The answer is 4:06
